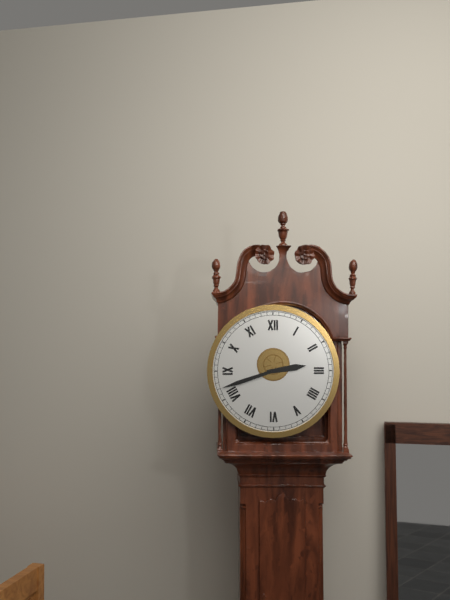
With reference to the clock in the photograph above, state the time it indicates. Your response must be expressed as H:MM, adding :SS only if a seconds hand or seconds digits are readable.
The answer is 2:42
